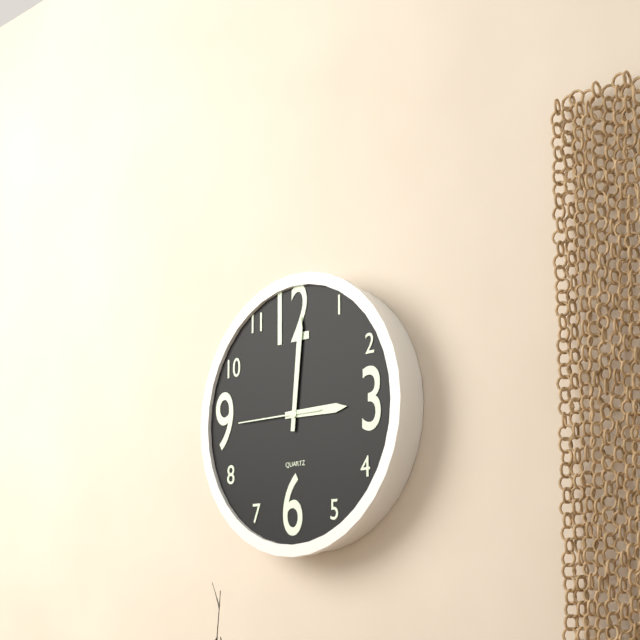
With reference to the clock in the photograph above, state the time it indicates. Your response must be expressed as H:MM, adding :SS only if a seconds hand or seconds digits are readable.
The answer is 3:01:45
